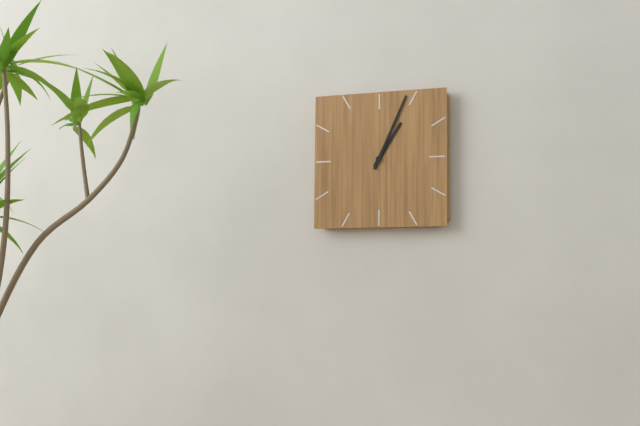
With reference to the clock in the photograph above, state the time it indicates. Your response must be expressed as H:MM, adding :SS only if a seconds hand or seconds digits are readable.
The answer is 1:04
